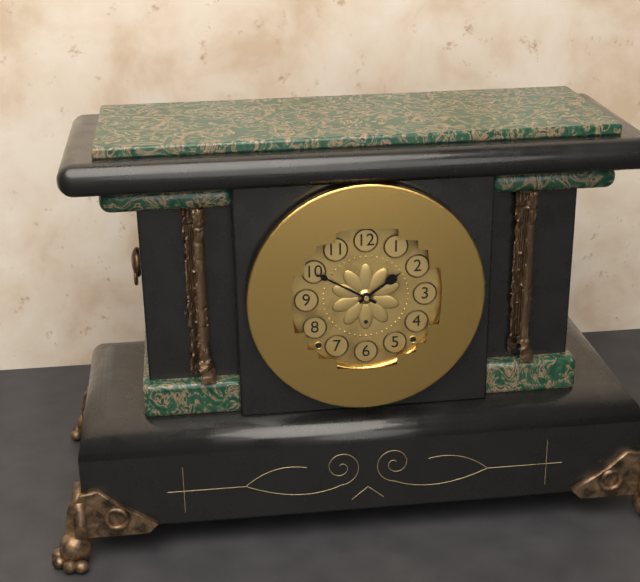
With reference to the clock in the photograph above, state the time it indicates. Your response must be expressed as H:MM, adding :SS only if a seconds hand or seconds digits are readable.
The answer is 1:50
